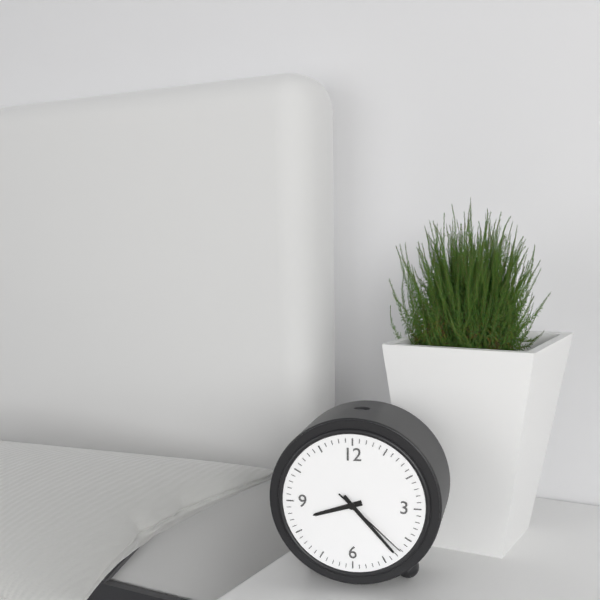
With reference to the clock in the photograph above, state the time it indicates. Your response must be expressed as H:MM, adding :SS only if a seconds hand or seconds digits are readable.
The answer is 8:23:22
